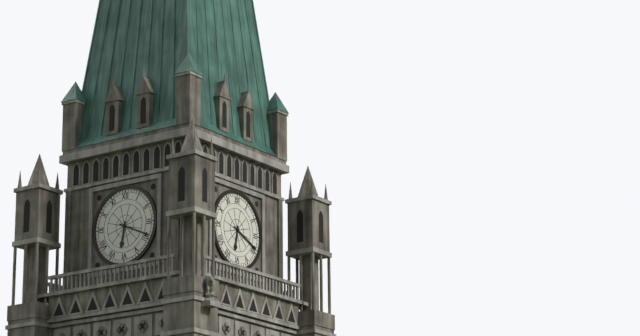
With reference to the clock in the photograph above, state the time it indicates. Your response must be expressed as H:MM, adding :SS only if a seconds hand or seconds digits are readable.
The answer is 6:19
